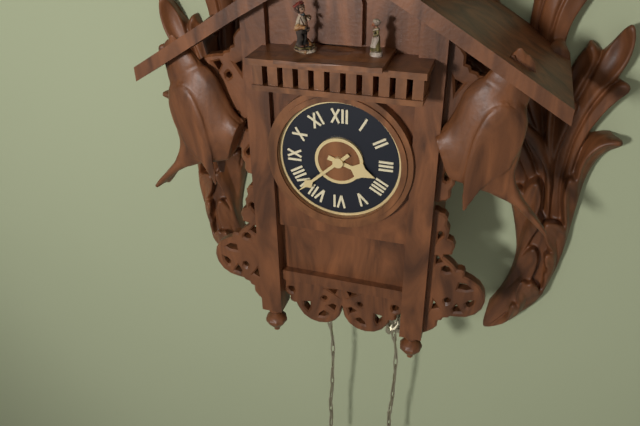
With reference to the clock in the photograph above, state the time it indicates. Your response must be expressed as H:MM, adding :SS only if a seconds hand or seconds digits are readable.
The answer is 3:38
